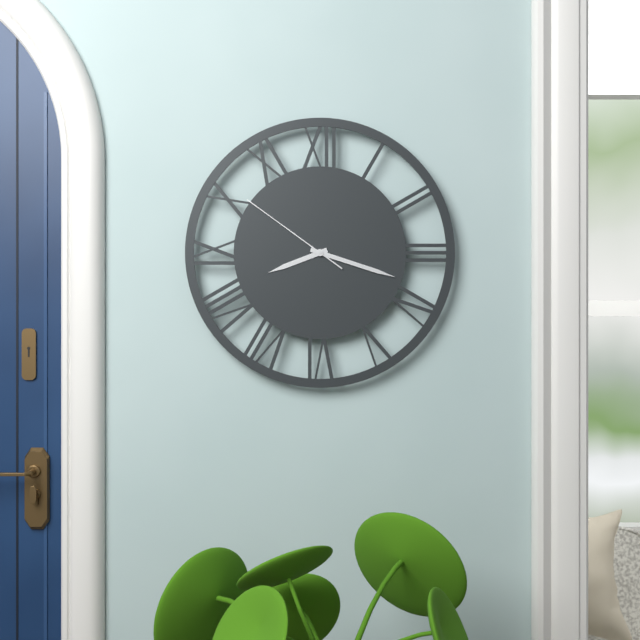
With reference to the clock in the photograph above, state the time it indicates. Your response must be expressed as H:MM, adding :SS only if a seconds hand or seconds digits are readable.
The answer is 8:18:51
